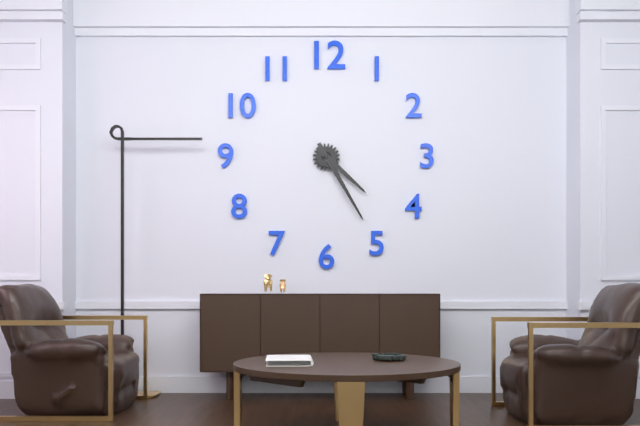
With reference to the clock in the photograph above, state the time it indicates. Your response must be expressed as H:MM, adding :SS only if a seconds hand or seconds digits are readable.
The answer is 4:25
